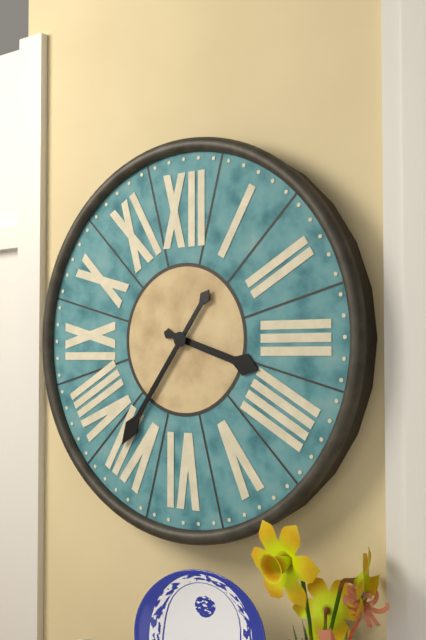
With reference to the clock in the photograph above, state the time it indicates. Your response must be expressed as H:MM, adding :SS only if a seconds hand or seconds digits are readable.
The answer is 3:36
